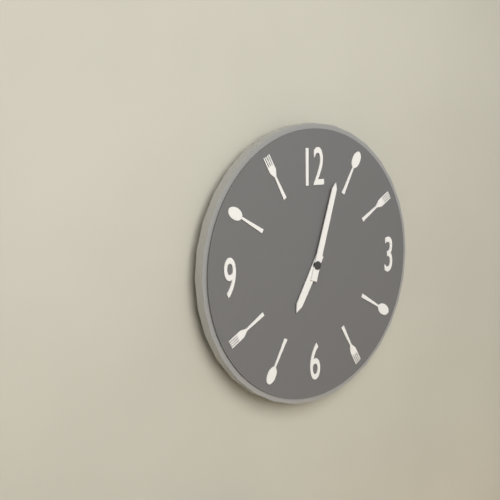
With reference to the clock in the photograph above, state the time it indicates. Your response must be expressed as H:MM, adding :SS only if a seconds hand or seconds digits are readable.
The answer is 7:03
